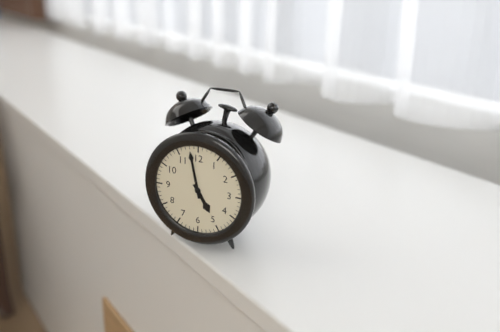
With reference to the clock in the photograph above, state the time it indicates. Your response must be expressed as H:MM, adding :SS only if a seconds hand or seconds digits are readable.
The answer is 4:58
